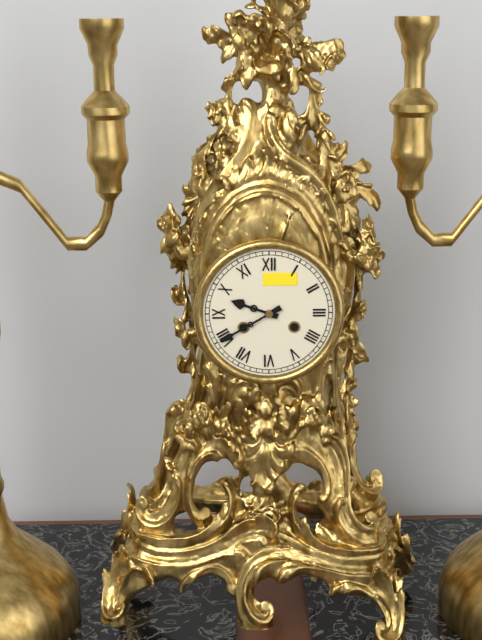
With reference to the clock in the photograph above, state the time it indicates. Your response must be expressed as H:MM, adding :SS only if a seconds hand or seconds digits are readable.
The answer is 9:40
